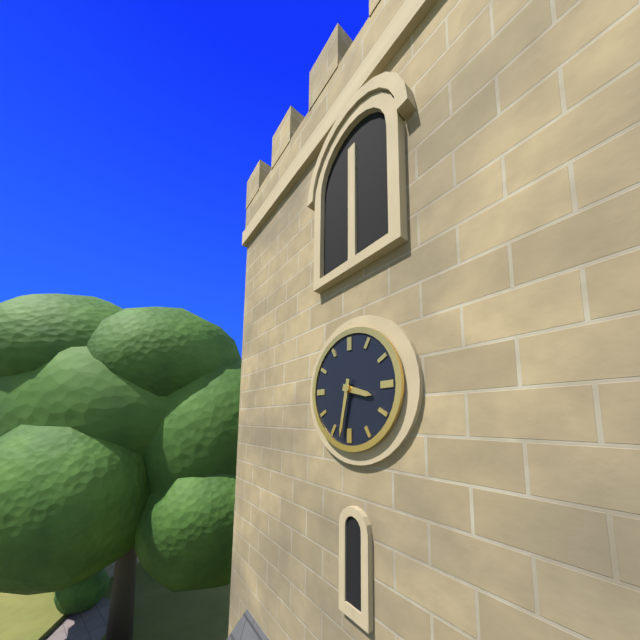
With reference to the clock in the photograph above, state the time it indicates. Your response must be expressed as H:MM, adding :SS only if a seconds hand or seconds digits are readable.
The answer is 3:32
